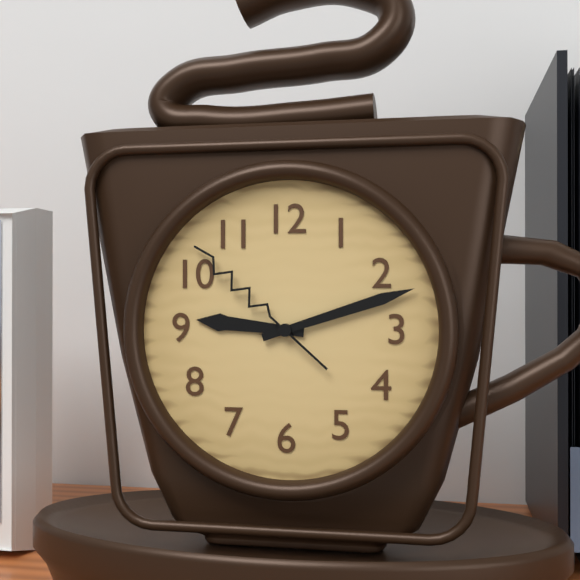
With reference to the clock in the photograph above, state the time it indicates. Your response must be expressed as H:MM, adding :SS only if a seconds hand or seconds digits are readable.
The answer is 9:12:52
